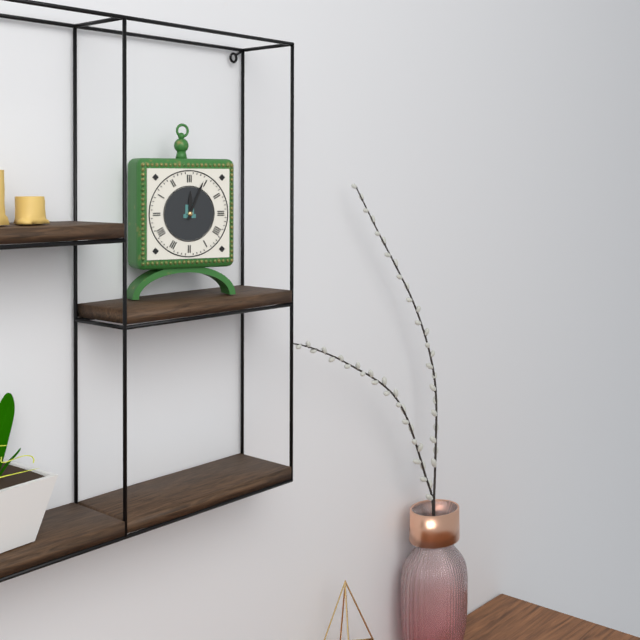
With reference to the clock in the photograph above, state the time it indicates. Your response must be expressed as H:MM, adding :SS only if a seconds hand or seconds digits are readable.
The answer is 12:04
